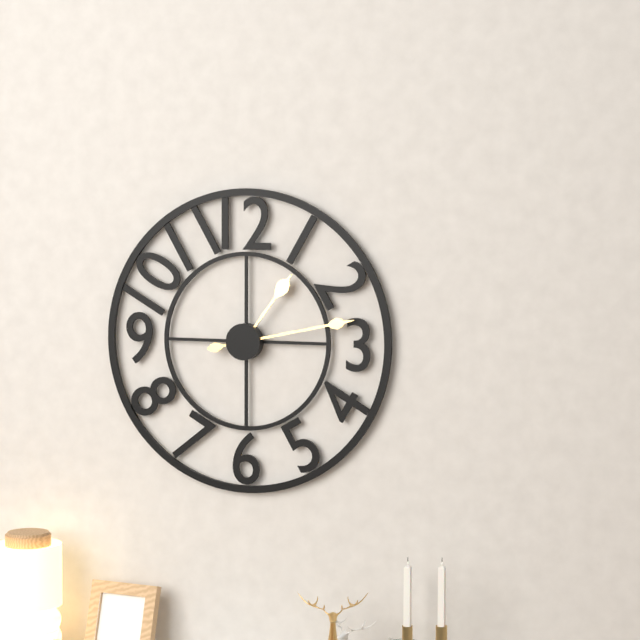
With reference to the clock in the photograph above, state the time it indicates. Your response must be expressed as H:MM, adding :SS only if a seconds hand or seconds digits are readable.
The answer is 1:13
